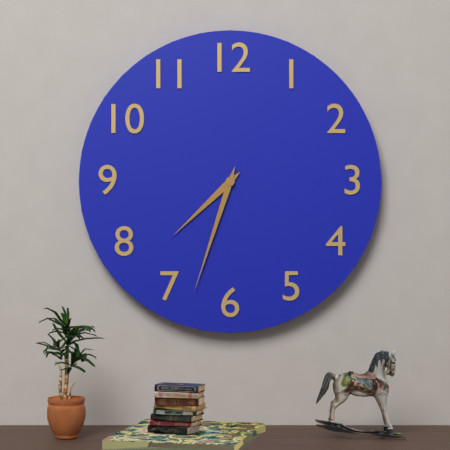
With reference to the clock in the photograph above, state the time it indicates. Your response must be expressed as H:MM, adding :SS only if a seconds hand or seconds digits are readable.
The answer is 7:33
